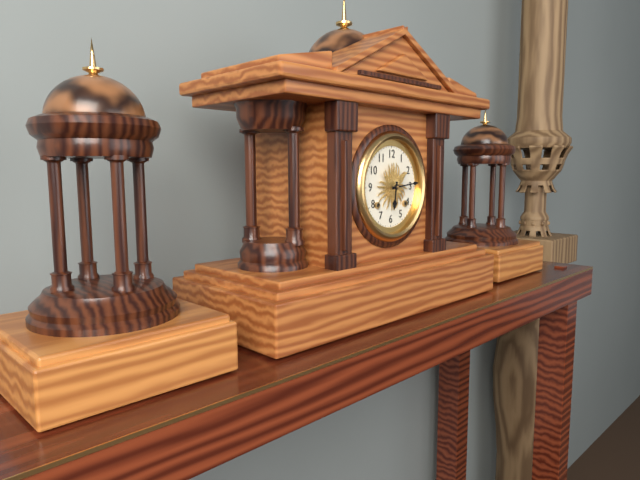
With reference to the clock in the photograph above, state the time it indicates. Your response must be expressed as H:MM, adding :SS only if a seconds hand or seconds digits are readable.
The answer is 6:14
